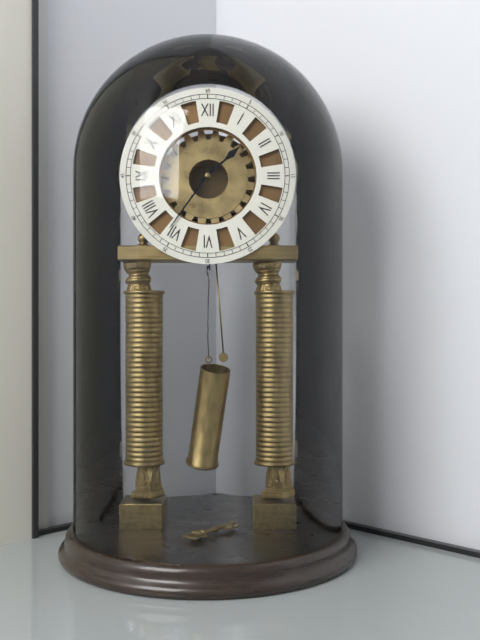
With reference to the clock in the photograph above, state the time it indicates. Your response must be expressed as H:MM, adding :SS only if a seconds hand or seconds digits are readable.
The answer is 1:36
